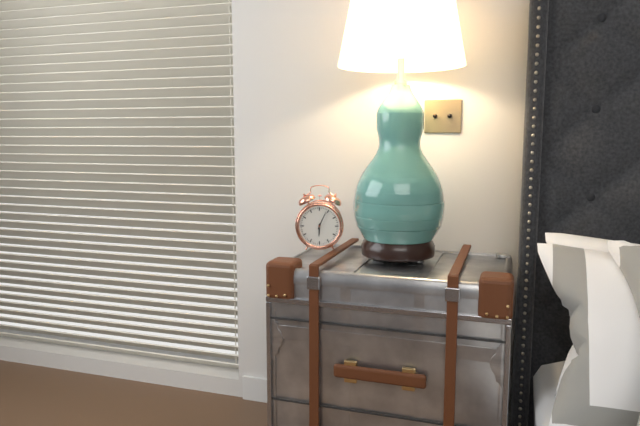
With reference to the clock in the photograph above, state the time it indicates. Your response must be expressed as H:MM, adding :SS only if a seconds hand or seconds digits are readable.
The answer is 6:04
